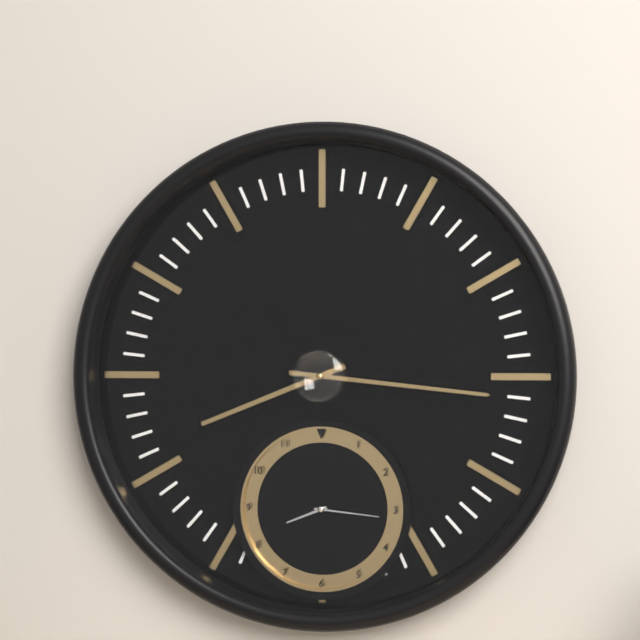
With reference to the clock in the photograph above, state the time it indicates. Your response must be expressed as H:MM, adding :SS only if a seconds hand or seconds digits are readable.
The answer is 8:16
